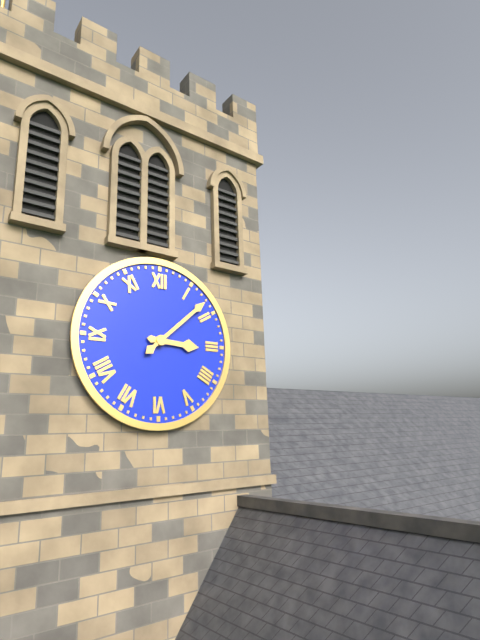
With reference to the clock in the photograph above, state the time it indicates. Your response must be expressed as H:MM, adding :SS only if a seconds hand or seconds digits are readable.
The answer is 3:08
